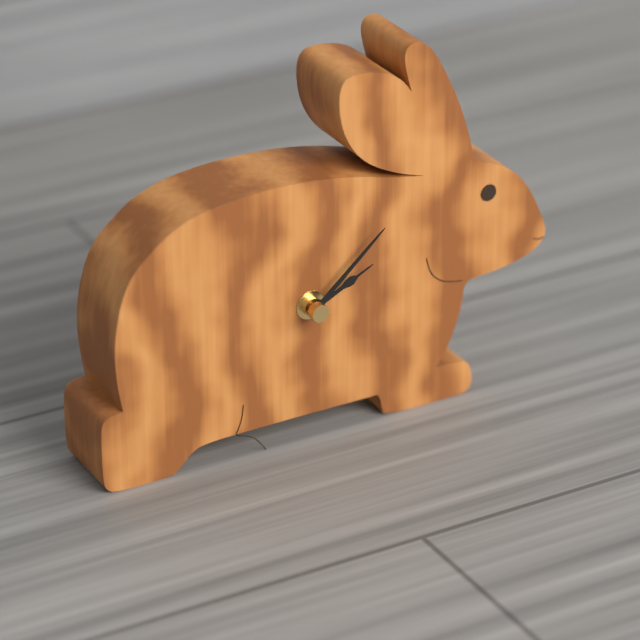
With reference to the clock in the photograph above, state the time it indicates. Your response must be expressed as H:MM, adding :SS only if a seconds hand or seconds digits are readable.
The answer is 2:08
